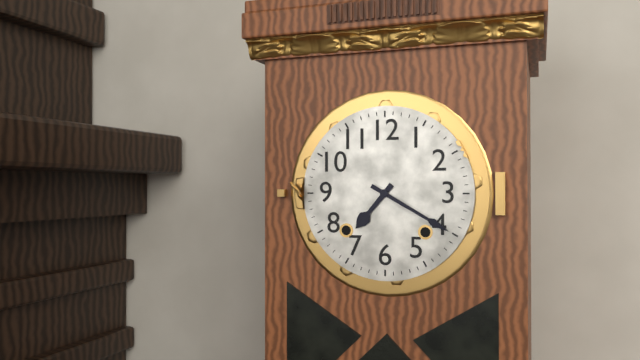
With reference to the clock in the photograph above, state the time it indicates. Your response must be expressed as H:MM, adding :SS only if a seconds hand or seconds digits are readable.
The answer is 7:20
